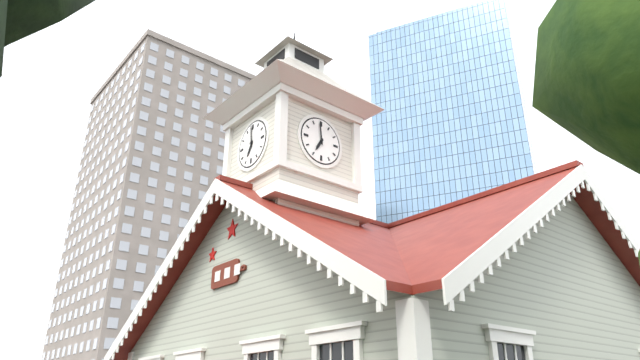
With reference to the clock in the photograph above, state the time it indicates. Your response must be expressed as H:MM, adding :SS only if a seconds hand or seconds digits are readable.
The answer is 6:59
